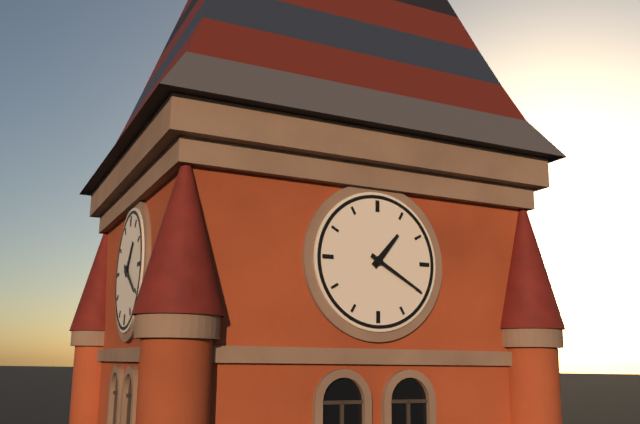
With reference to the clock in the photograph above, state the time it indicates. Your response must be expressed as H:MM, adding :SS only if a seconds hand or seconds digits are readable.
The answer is 1:20
